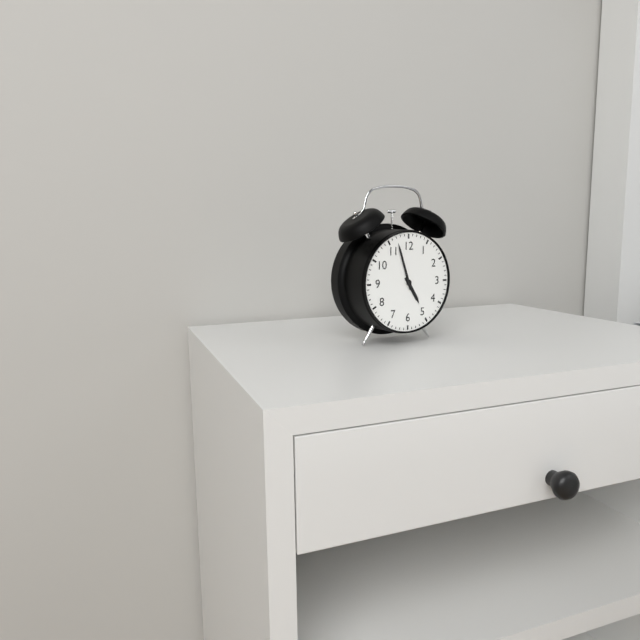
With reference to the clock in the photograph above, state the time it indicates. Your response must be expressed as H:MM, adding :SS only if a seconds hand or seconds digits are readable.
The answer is 4:57
